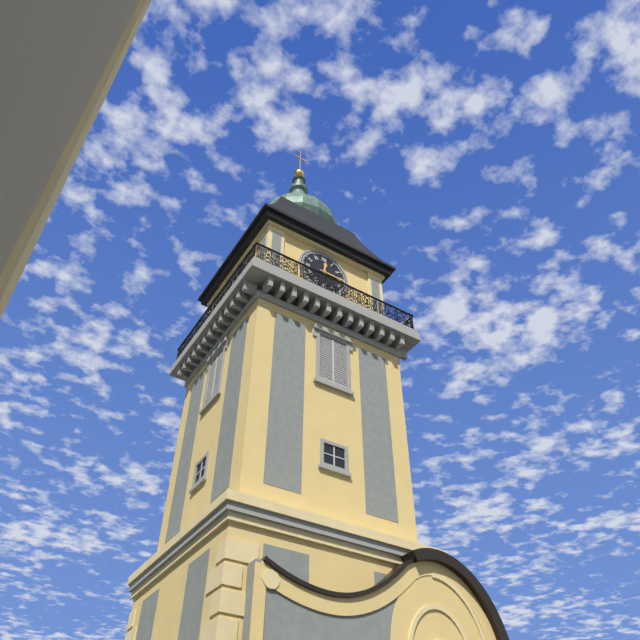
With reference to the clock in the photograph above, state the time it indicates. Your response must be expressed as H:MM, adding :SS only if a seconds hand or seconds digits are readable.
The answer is 12:15
